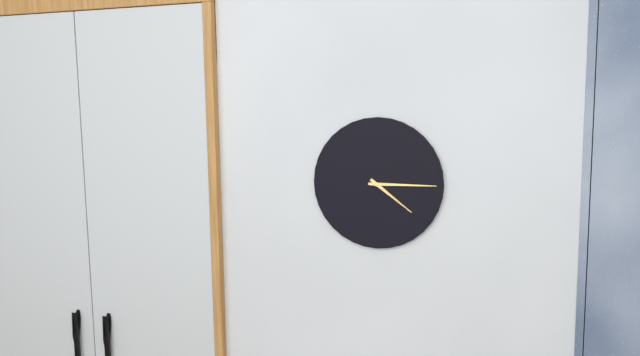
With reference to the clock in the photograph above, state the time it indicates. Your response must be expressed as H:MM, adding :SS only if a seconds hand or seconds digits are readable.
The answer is 4:15
